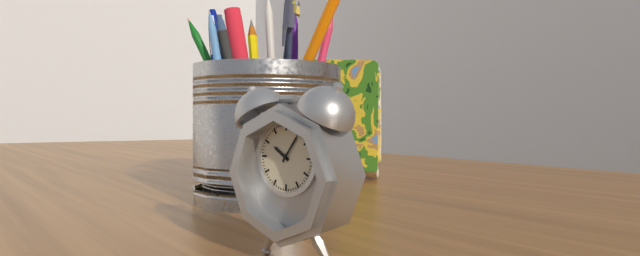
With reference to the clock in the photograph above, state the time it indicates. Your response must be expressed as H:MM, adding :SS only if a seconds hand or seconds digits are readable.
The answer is 10:06
